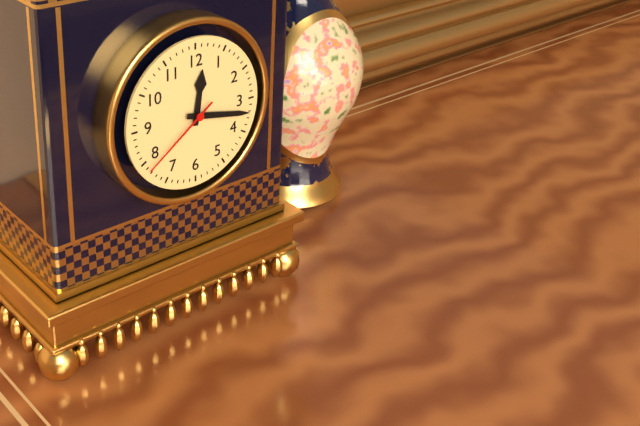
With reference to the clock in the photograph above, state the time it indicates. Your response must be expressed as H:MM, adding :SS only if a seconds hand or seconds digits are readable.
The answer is 12:17:39
